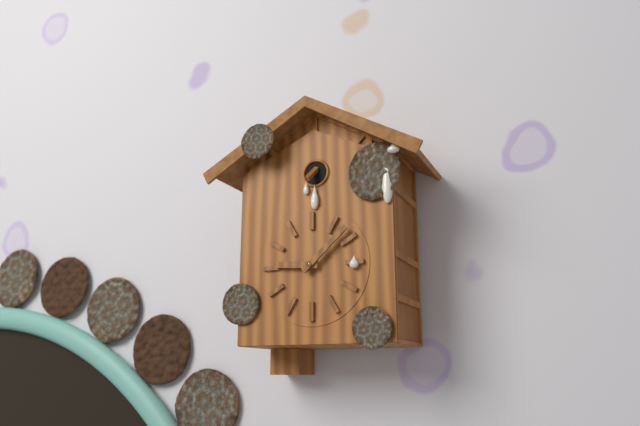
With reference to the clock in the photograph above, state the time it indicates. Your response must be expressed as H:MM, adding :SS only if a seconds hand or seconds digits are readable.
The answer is 9:08
